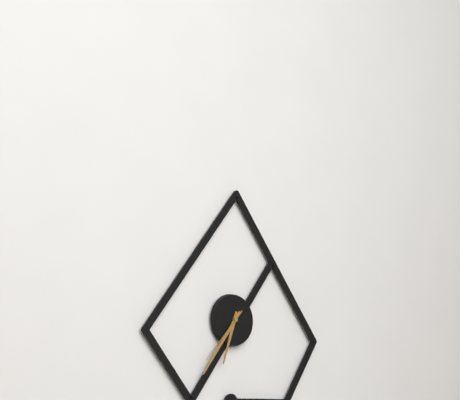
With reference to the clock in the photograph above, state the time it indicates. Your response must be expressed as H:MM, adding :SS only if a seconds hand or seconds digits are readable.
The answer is 6:36:37
